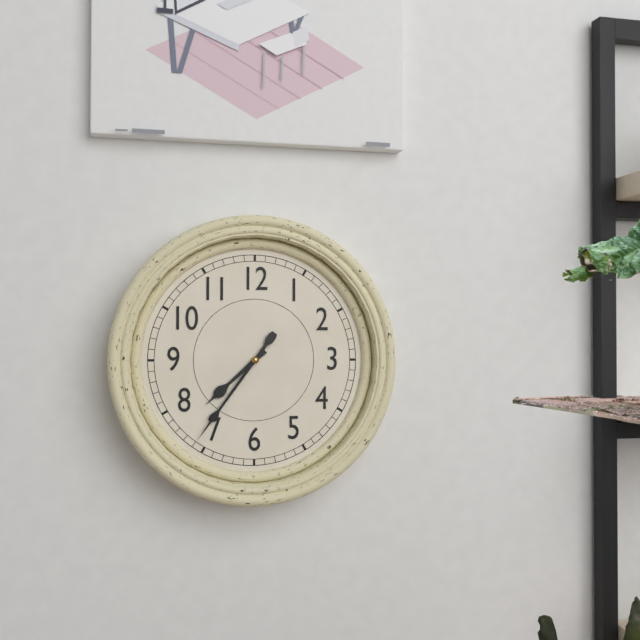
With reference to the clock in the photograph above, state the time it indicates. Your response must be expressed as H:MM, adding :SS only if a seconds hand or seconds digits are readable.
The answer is 7:36
